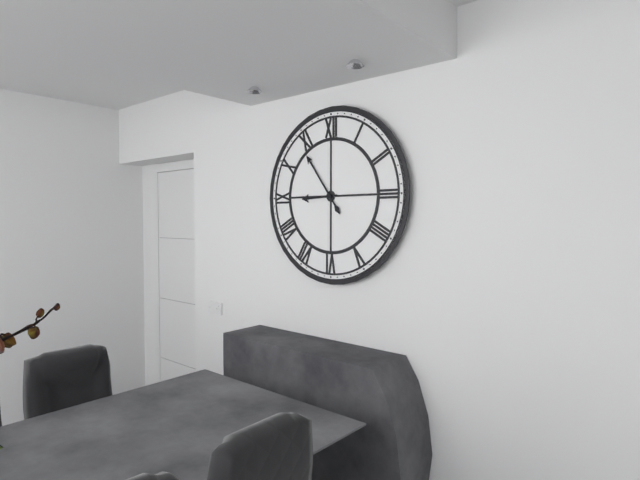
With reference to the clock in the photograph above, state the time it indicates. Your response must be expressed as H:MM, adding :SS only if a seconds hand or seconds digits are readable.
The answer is 8:54
